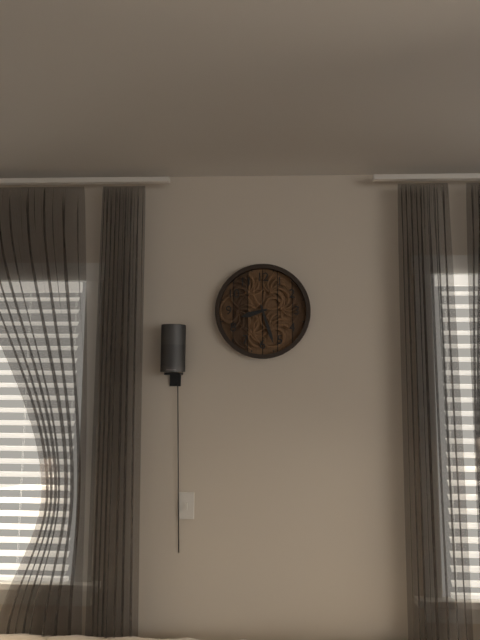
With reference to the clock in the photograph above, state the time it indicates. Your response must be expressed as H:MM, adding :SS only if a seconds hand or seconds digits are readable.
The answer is 8:27
